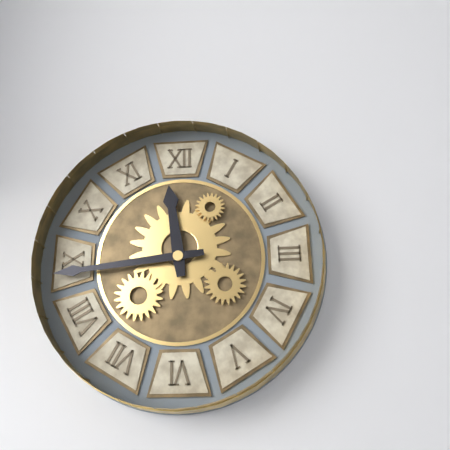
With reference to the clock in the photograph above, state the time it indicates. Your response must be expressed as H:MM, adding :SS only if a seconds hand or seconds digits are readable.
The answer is 11:44
